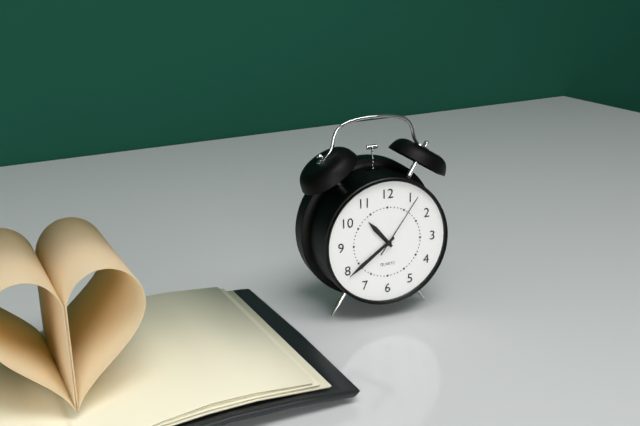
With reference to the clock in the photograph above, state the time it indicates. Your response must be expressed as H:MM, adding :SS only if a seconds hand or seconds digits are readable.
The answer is 10:39:06
